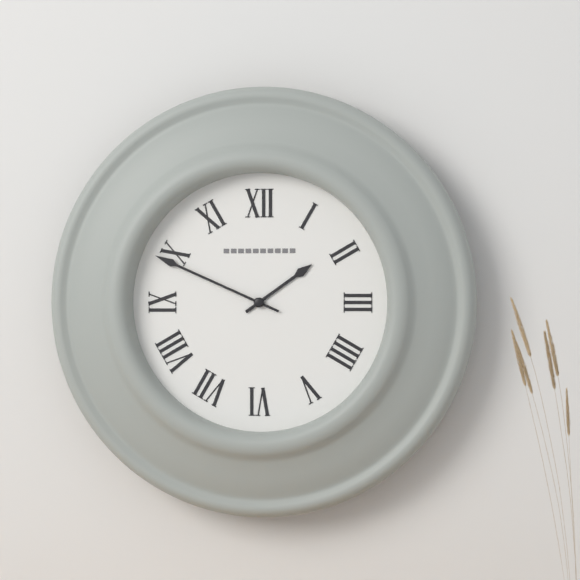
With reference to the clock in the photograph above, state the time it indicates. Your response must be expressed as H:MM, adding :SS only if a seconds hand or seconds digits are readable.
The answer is 1:49
